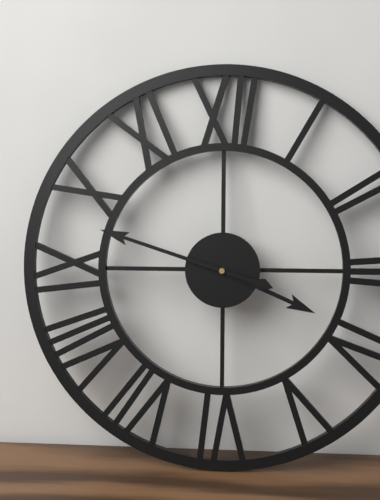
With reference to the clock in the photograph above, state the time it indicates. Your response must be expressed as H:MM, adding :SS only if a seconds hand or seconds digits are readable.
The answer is 3:48
